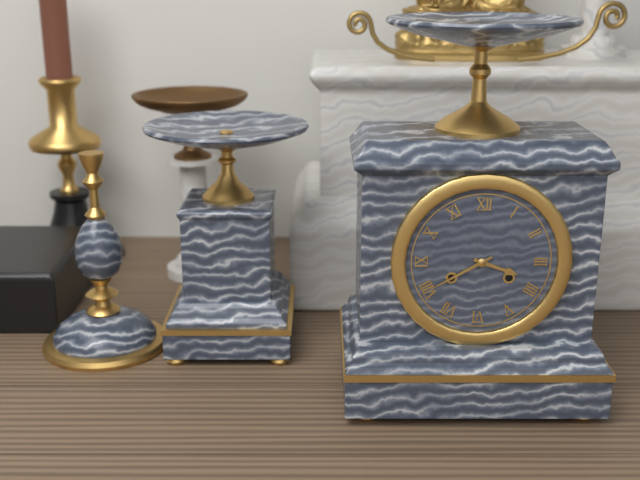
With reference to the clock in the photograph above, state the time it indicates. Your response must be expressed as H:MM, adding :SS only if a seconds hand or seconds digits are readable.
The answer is 3:40
